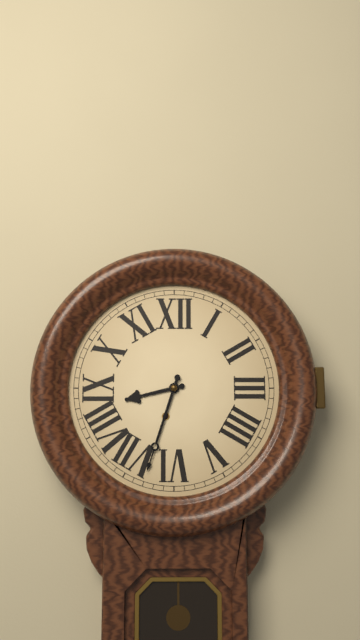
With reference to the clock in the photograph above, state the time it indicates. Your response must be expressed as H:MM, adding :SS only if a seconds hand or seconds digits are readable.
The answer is 8:33
